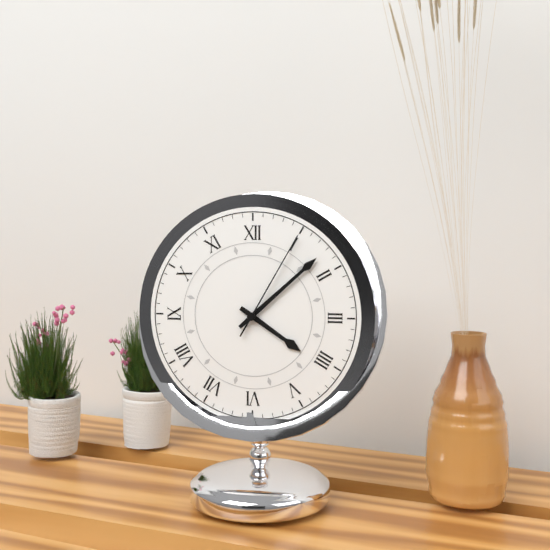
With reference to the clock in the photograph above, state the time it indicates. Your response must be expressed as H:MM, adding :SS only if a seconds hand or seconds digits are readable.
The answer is 4:08:05
